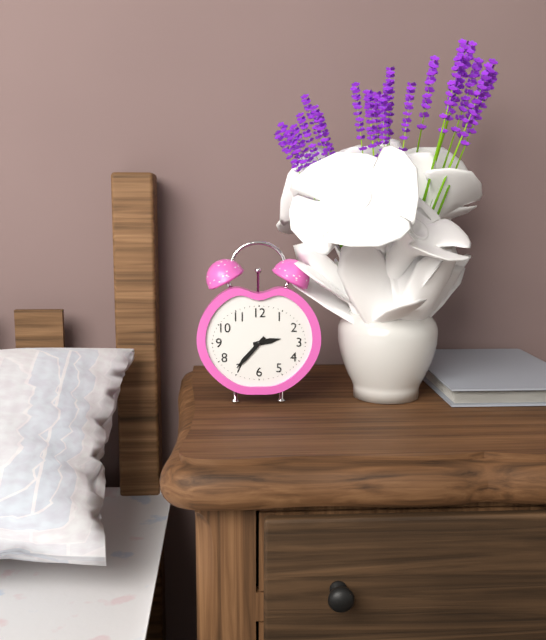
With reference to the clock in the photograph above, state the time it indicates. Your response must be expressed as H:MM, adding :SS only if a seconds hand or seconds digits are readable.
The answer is 2:37
